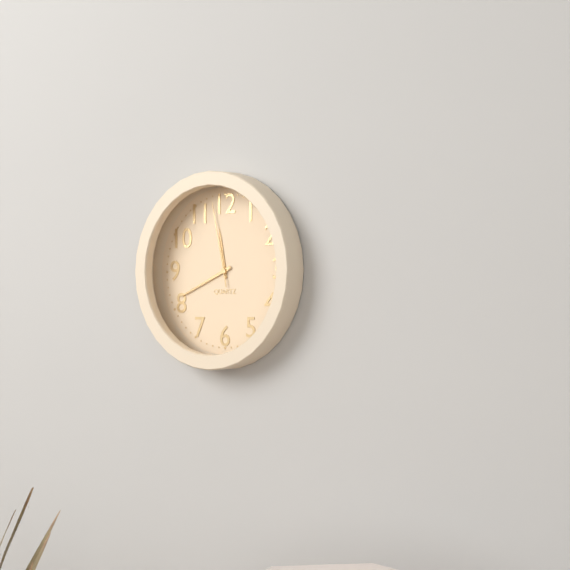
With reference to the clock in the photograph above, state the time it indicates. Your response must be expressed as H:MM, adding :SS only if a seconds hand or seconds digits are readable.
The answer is 11:41:58
